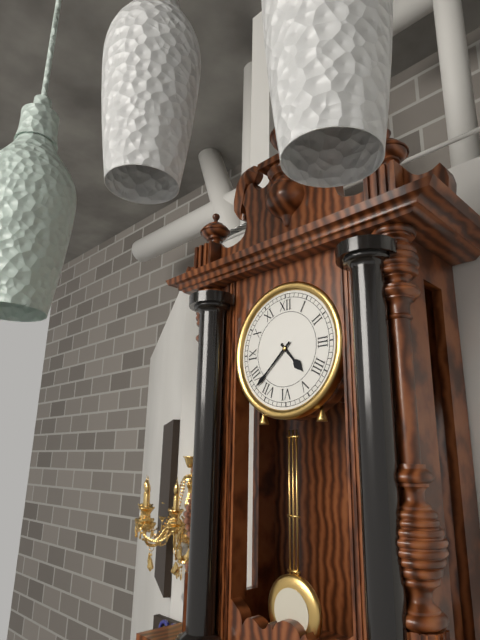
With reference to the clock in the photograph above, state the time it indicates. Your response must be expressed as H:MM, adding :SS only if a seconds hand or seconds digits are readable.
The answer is 4:38
